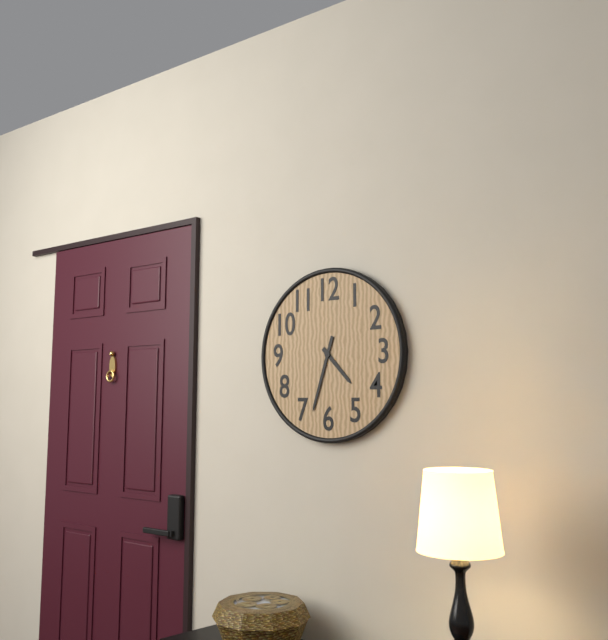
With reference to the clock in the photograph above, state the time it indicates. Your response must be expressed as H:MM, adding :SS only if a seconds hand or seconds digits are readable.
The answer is 4:33
